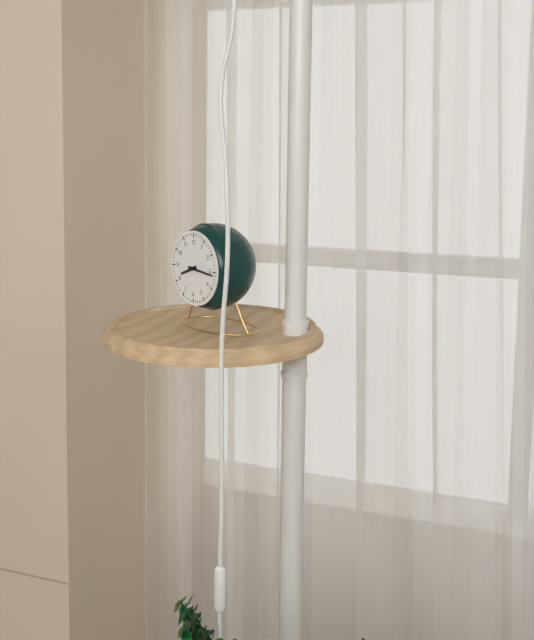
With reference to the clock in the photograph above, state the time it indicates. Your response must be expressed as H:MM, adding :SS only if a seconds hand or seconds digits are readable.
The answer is 8:16
